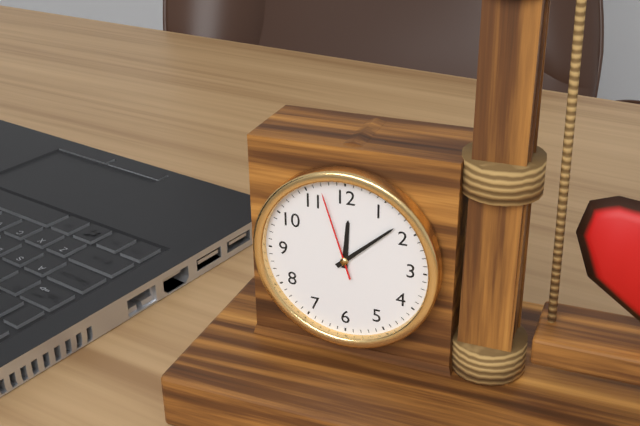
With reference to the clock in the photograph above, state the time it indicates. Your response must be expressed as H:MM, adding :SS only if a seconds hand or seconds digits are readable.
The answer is 12:08:57
